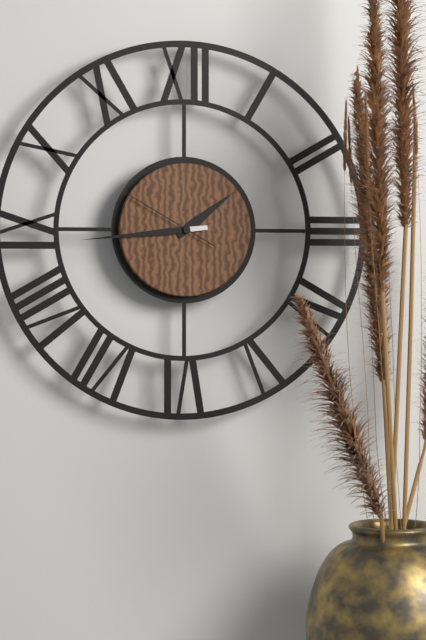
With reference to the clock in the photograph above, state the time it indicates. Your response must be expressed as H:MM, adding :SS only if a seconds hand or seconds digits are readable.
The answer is 1:44:50
